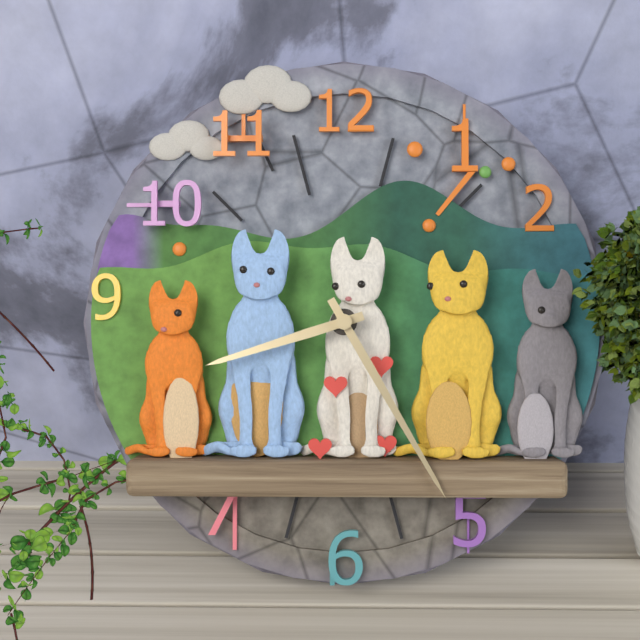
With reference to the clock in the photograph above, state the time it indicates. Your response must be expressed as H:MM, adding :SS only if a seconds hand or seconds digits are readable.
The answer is 8:25
